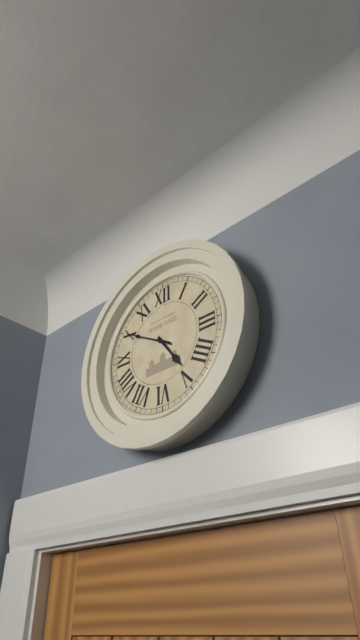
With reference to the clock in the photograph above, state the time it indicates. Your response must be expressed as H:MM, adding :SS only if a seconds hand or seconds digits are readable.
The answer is 4:50
